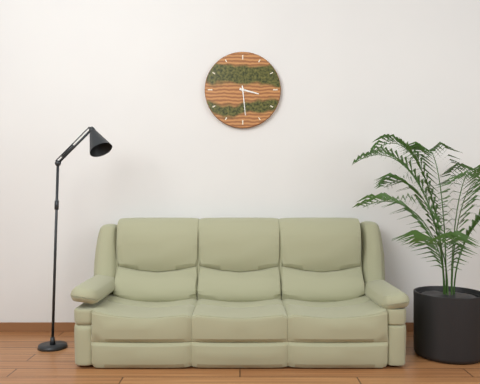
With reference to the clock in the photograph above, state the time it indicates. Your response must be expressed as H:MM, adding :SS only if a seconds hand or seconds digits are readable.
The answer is 3:29
